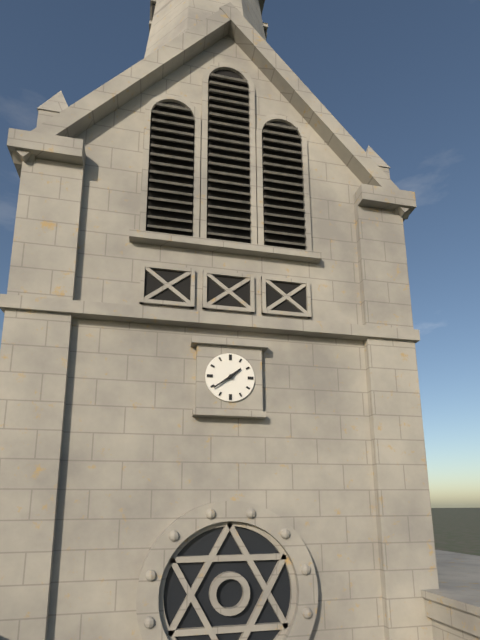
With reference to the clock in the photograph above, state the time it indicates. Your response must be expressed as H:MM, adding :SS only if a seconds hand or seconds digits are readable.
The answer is 1:39
